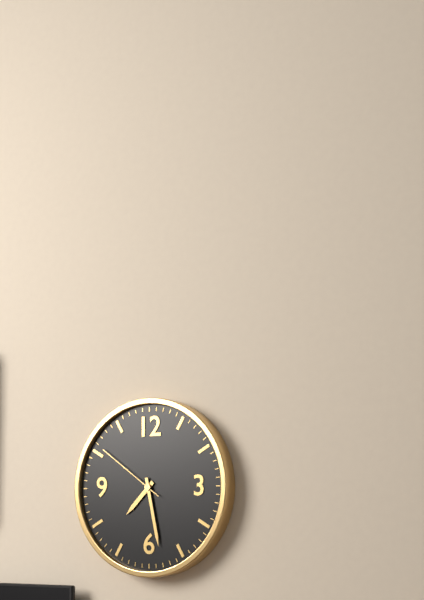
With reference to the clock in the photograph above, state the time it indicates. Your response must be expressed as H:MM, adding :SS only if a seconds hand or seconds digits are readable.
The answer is 7:28:51
